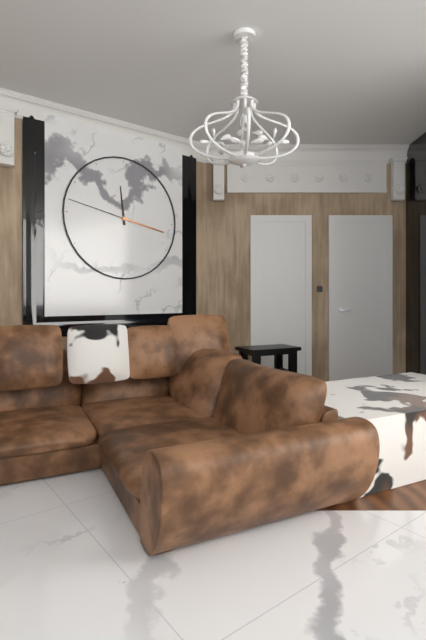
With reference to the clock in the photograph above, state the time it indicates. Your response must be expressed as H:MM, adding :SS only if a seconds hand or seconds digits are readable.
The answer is 11:47
